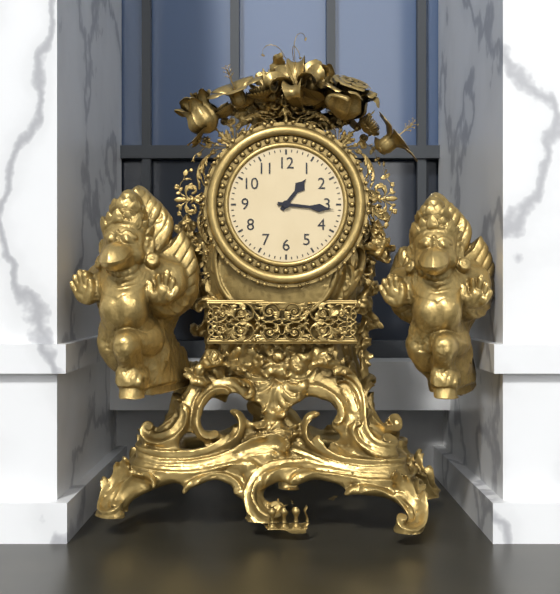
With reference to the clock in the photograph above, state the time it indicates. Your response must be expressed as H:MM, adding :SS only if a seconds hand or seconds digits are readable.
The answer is 1:16
